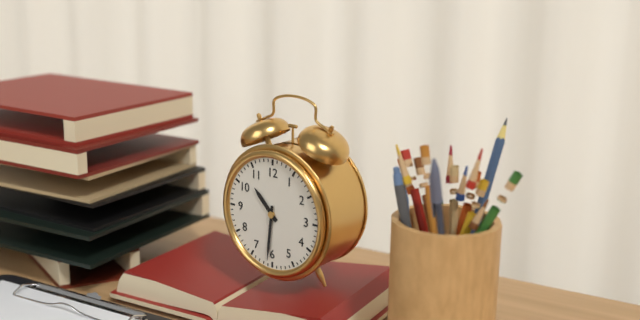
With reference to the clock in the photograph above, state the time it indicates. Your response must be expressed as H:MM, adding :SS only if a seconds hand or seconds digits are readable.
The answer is 10:31
